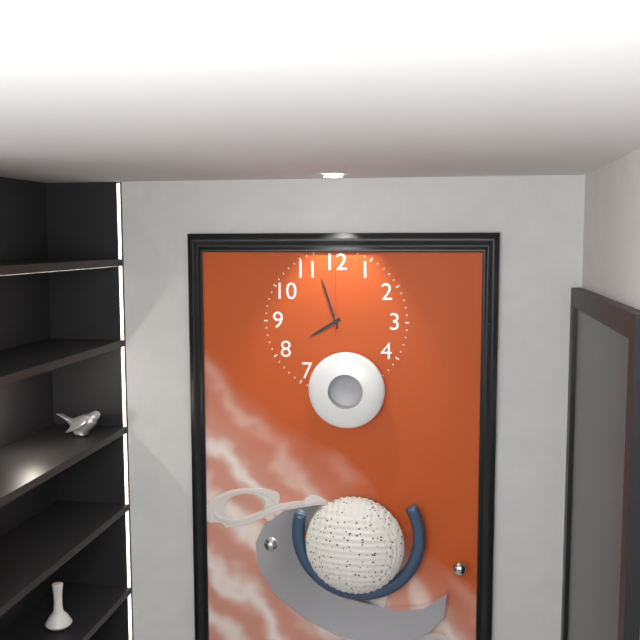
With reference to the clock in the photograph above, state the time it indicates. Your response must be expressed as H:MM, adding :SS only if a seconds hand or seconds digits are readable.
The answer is 7:57:00
